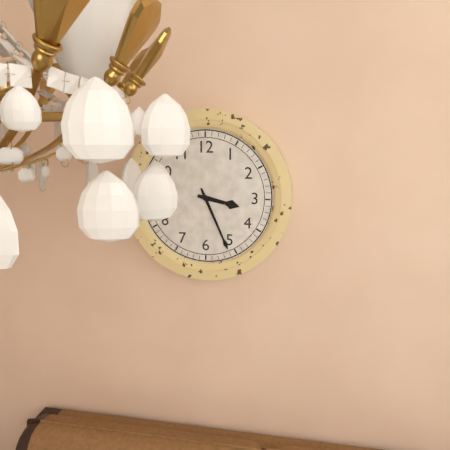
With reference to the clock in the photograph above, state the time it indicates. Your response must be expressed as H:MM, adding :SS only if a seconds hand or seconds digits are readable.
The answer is 3:26
